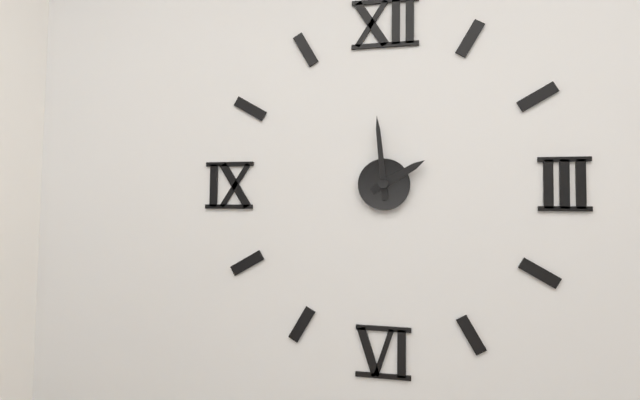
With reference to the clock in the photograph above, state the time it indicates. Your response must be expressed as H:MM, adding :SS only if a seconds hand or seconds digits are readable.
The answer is 1:59
